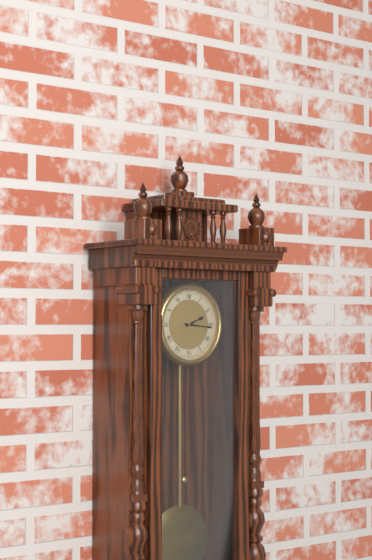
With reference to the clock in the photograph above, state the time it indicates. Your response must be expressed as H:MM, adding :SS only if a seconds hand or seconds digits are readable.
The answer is 2:16
